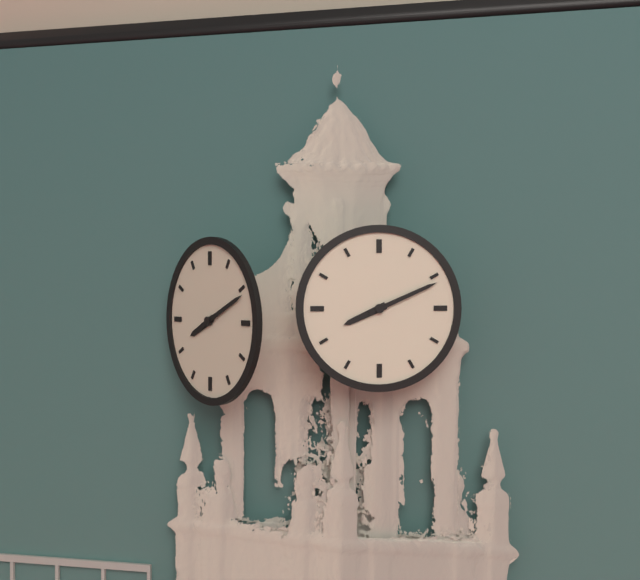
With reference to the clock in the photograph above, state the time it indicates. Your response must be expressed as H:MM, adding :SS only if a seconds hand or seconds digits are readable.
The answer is 8:11
